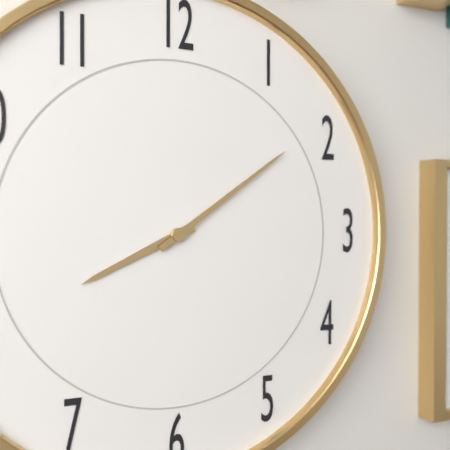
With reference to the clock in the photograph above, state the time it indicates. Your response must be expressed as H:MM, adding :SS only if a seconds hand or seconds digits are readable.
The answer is 8:09
